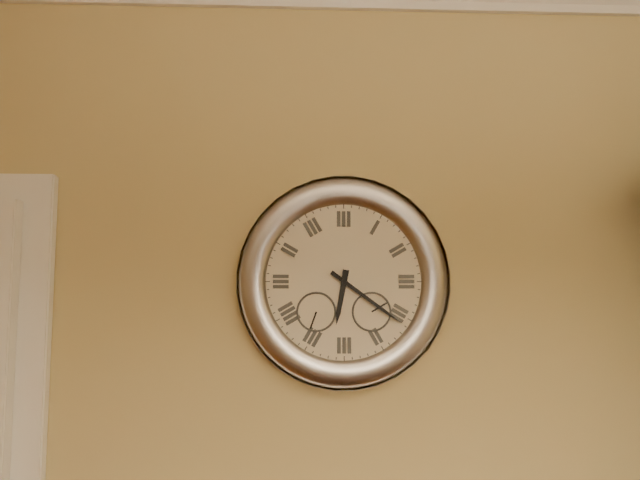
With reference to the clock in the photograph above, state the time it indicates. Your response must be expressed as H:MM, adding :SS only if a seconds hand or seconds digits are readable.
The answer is 6:21
